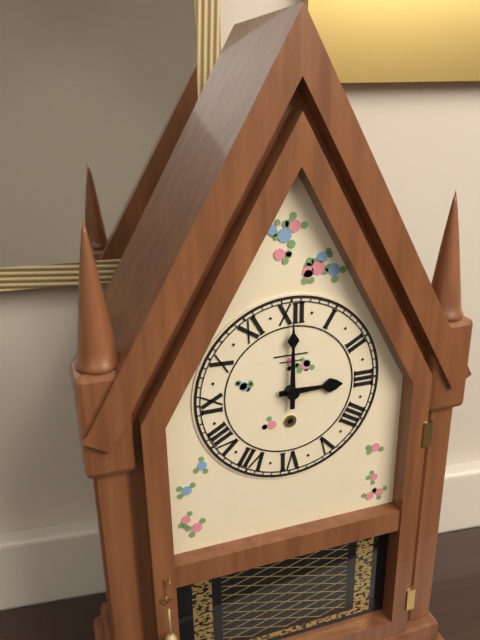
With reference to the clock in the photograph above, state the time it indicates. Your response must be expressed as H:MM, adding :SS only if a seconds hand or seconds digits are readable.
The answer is 3:00
